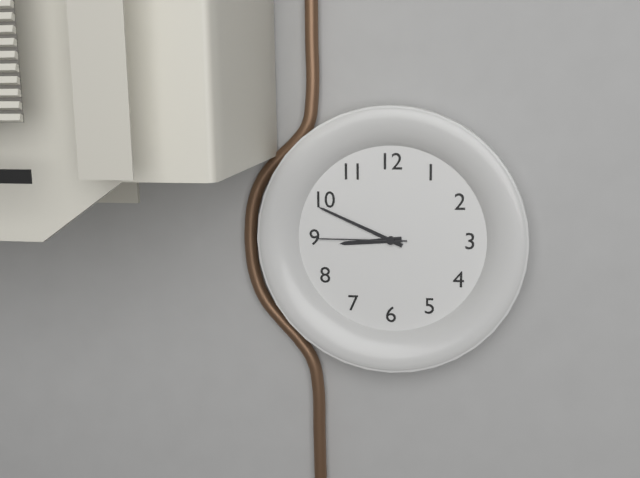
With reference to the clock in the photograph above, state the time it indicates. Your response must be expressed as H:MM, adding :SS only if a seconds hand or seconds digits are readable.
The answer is 8:49:45
